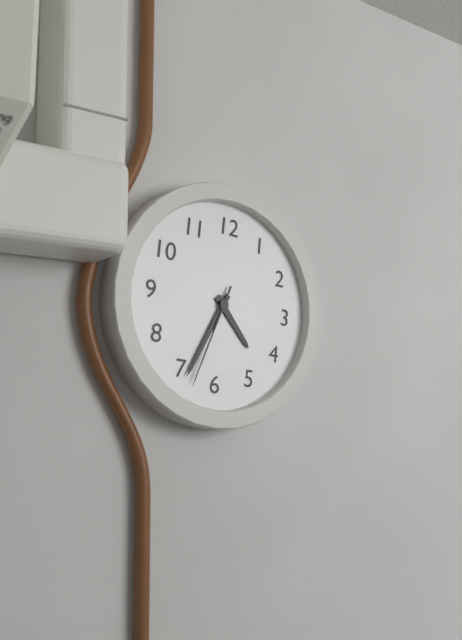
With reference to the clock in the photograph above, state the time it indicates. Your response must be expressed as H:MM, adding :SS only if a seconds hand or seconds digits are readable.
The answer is 4:34:33
